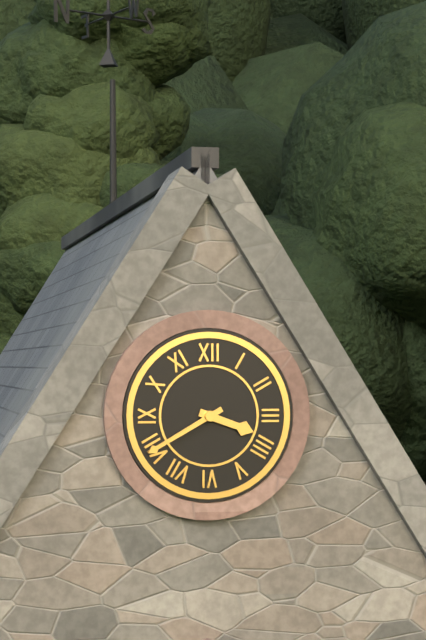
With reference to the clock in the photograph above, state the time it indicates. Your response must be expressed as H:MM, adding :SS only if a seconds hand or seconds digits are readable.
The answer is 3:40
